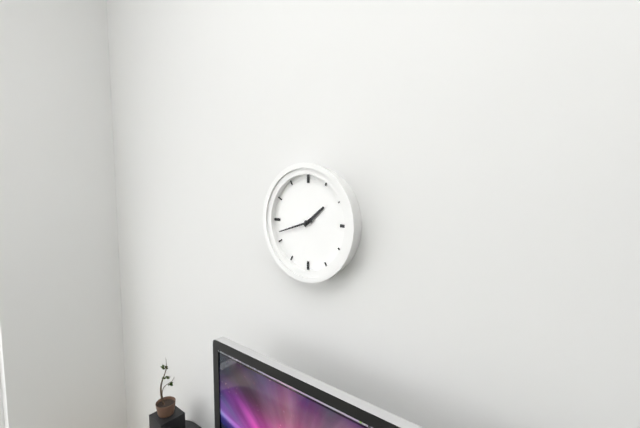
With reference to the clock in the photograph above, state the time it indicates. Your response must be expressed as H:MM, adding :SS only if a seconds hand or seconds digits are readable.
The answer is 1:42
